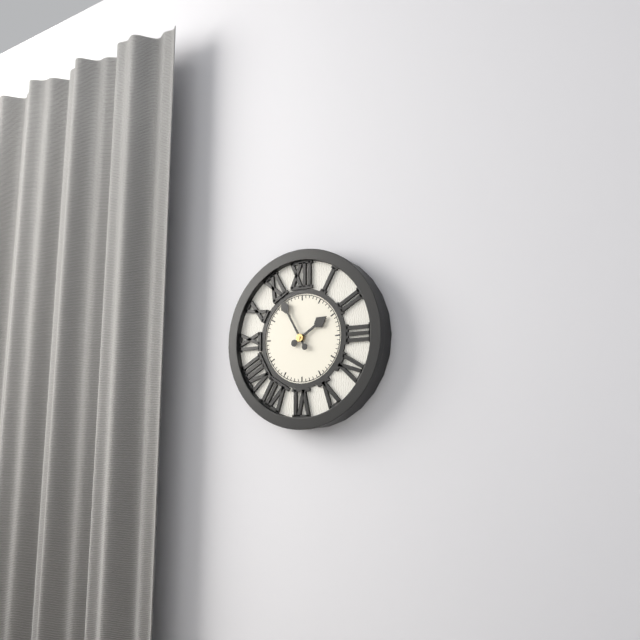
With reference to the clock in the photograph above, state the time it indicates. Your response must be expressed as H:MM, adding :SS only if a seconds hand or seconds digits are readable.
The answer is 1:55
